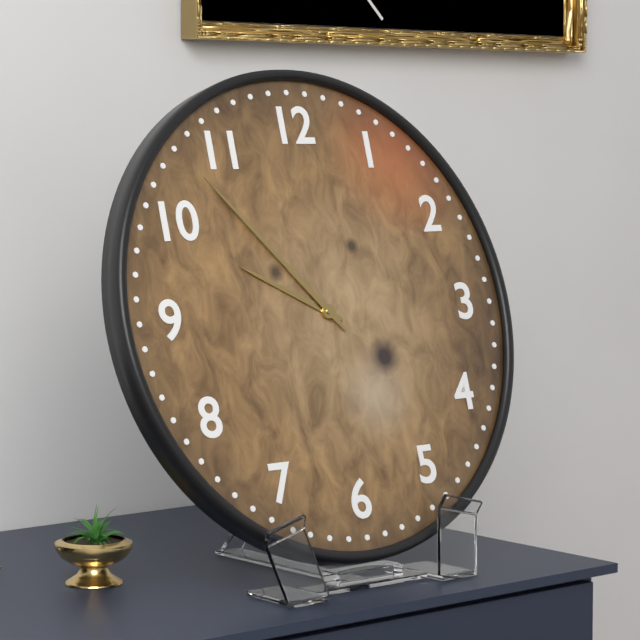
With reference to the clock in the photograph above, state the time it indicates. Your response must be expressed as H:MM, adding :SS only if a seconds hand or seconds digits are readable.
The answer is 9:53
